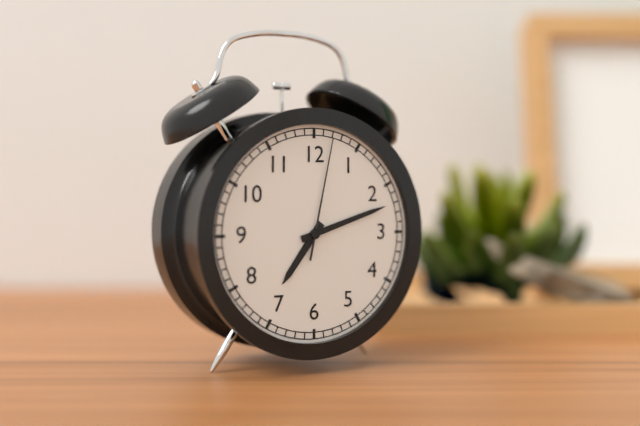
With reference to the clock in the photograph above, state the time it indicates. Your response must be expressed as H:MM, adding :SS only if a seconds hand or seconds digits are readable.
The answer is 7:12:02
